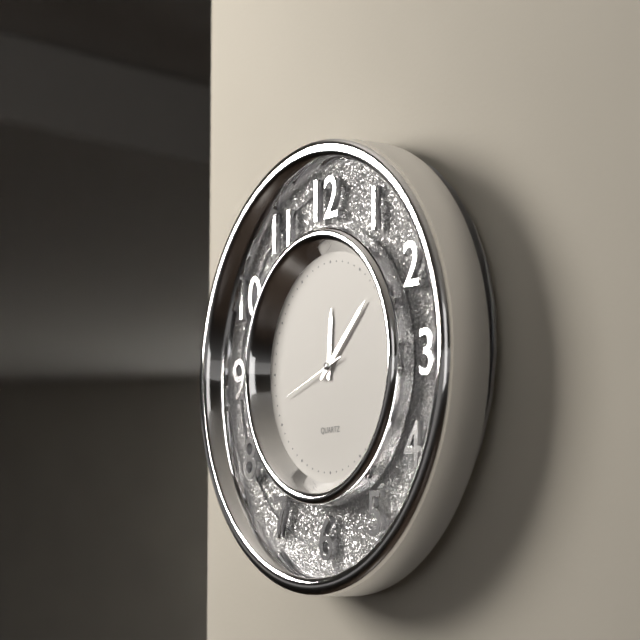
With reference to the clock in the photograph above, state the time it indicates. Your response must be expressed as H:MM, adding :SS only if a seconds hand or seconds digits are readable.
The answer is 12:08:42
